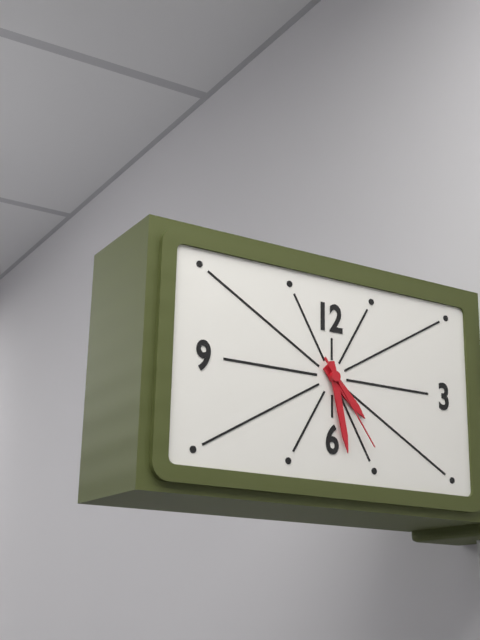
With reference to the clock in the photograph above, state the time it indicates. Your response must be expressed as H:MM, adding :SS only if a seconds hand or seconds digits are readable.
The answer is 4:28:24
